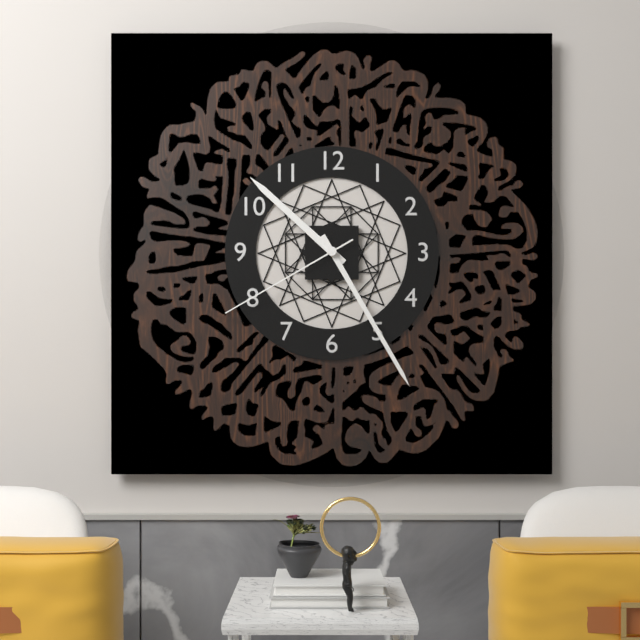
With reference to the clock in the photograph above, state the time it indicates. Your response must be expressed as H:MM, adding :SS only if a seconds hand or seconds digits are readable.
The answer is 10:25:40
